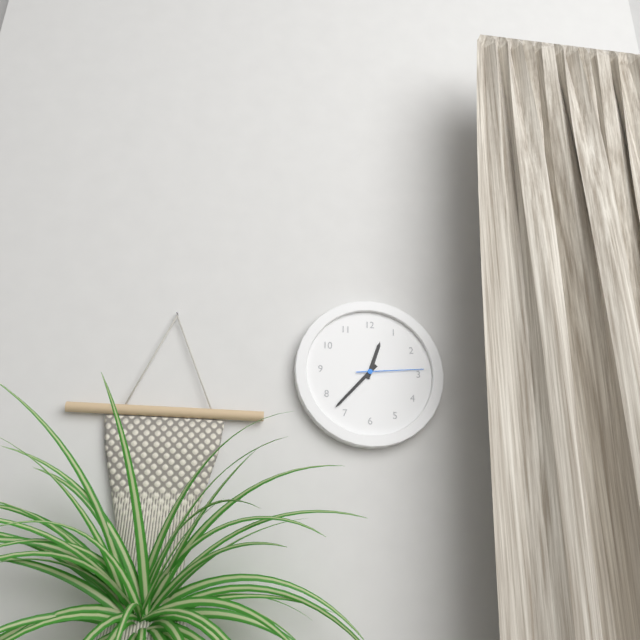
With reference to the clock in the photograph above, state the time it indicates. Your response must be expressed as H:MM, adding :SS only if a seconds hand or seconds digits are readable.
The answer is 12:37:14
